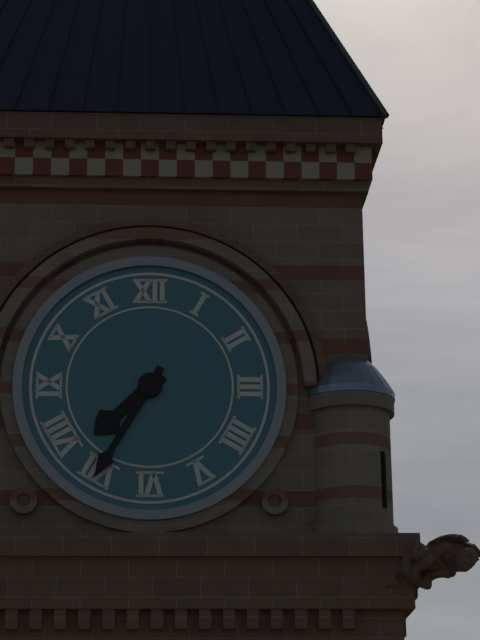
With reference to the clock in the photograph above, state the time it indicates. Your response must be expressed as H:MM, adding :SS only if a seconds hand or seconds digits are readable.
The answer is 7:35
